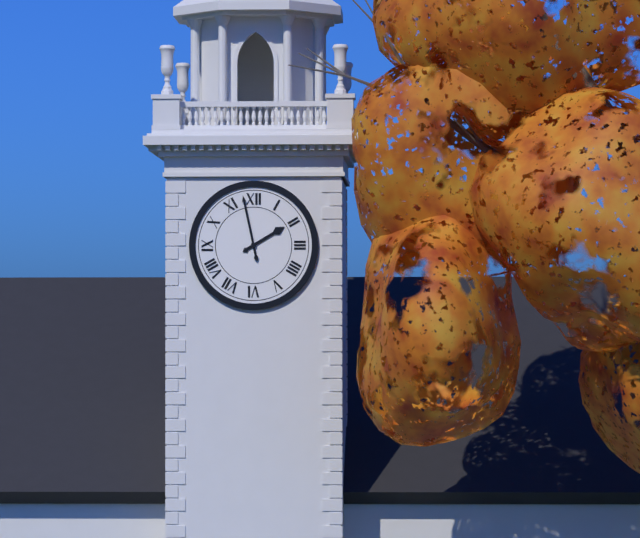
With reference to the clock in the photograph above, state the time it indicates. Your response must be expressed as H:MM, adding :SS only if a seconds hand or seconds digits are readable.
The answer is 1:58
